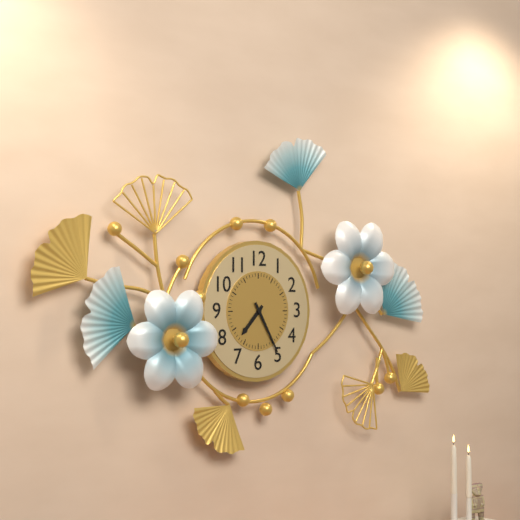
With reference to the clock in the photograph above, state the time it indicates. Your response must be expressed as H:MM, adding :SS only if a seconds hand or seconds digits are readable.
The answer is 7:25
